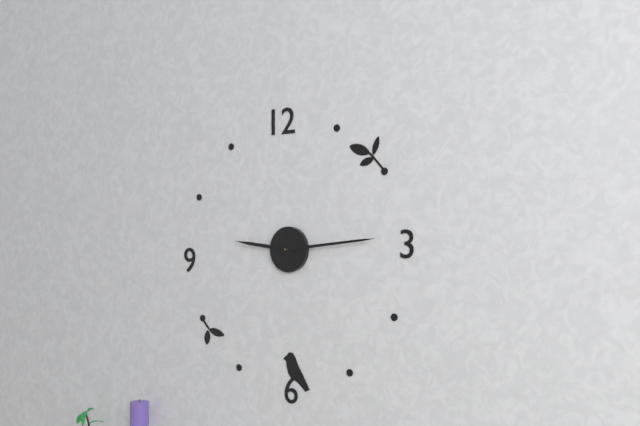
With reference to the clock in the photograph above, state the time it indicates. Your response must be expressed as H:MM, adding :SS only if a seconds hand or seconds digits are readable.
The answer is 9:14
